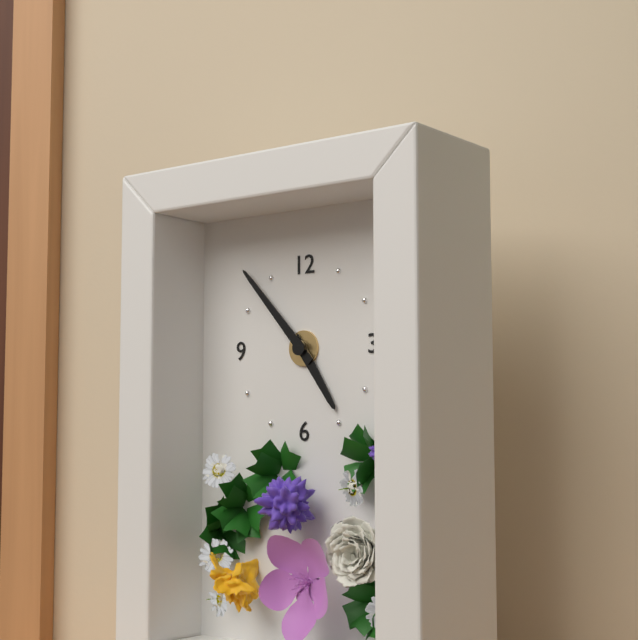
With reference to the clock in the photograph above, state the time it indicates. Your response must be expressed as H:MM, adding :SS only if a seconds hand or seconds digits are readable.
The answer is 4:53
